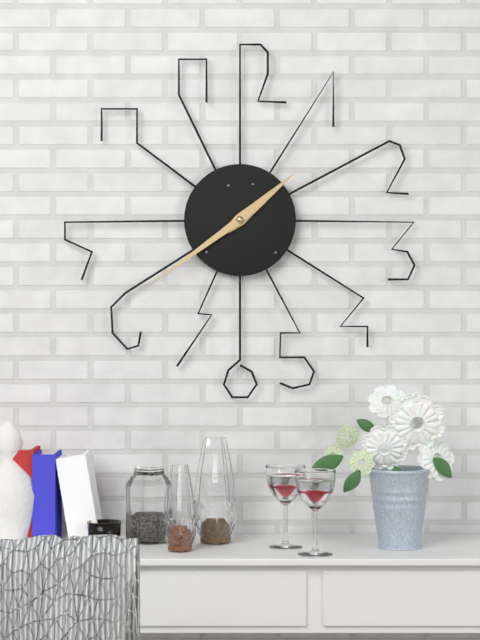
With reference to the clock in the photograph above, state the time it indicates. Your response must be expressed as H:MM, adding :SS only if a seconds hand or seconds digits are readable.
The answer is 1:39
